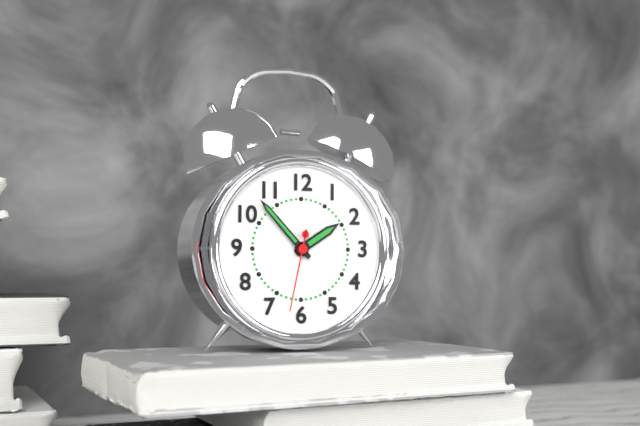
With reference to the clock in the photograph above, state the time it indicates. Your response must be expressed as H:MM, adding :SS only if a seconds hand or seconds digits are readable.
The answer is 1:53:32
